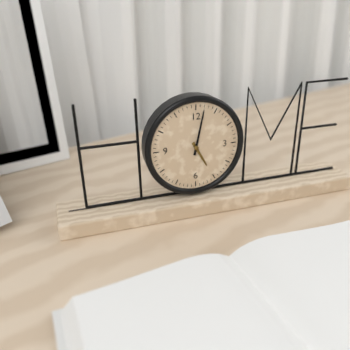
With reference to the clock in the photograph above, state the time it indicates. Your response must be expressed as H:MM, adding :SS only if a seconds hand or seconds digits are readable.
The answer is 5:02
